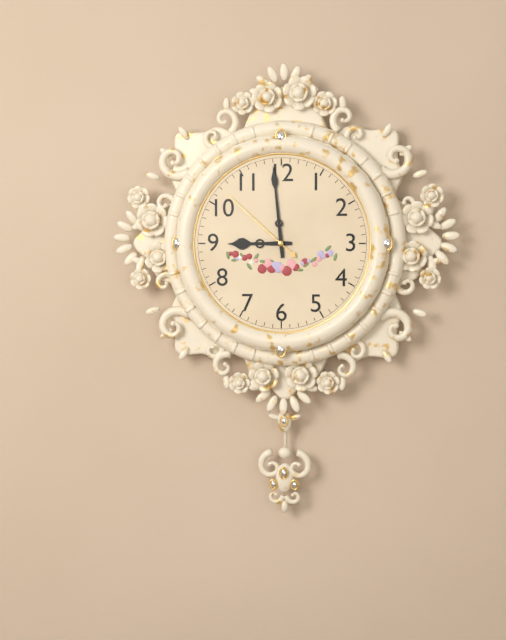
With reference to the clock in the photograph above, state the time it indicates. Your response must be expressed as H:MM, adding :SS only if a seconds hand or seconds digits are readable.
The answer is 8:59:52
